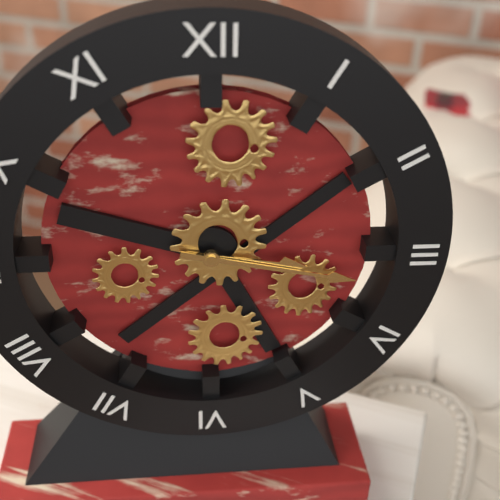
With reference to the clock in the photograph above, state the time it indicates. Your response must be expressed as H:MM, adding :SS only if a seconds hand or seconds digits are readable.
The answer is 3:17
